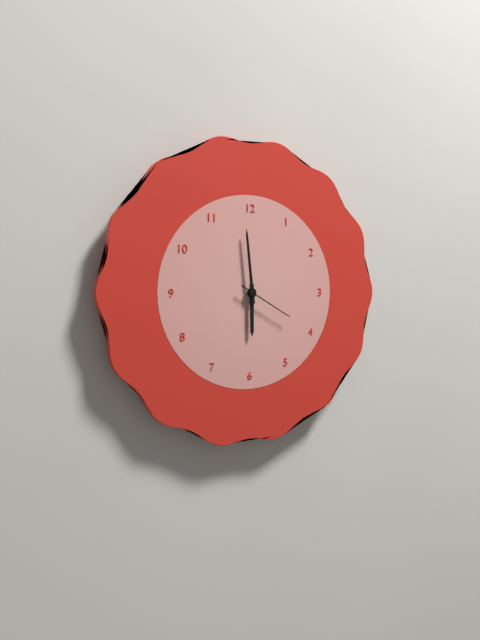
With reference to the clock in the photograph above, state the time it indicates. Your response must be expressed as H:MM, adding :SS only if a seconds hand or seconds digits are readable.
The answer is 5:59:20
